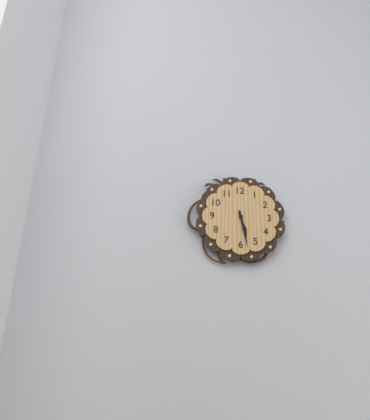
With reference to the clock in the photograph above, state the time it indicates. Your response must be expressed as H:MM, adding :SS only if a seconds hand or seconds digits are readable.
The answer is 5:28
